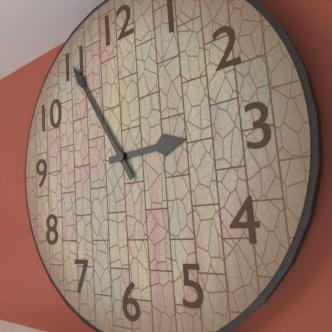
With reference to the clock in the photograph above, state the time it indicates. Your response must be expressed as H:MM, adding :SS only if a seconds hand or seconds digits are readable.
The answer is 2:55
